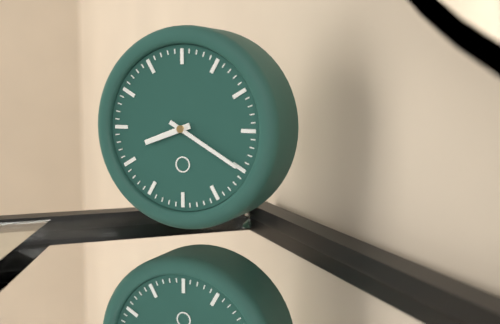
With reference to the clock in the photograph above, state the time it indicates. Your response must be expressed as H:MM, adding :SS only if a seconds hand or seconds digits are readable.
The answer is 8:20
